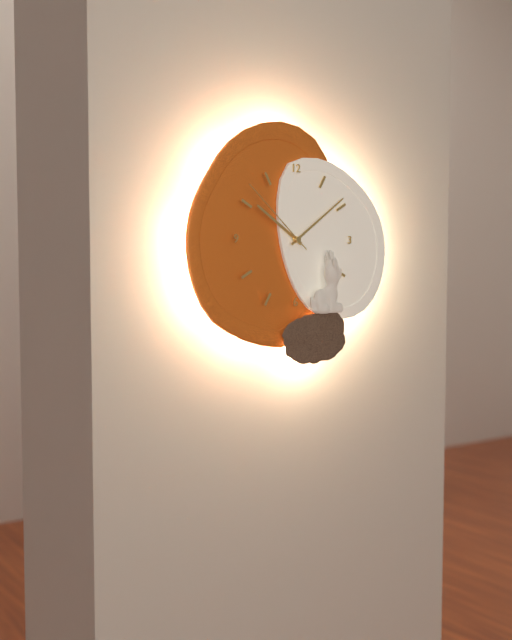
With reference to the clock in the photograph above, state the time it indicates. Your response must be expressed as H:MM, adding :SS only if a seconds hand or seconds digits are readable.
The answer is 10:09:52
